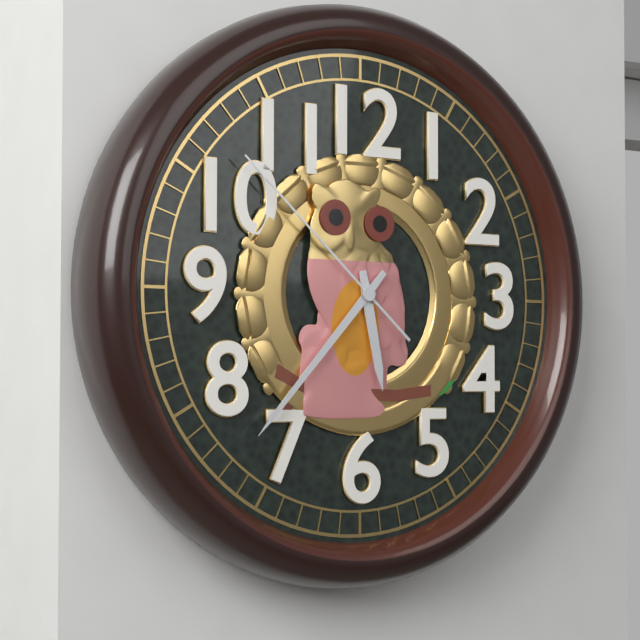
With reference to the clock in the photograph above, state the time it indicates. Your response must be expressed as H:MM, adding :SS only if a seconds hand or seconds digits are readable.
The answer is 5:37:52
